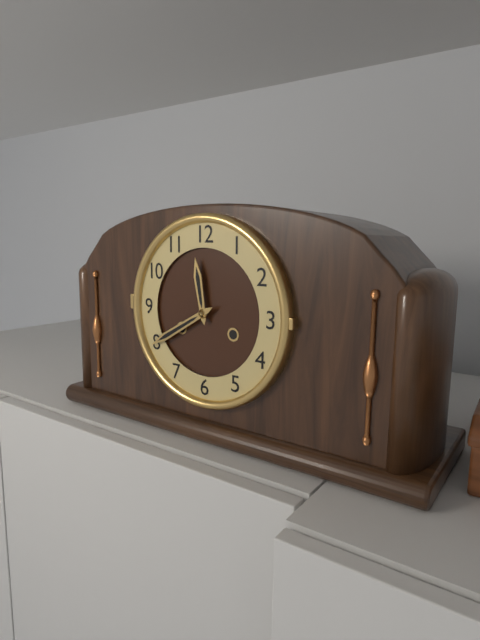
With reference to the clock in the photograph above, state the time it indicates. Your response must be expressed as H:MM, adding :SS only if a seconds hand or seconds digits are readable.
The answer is 11:40
